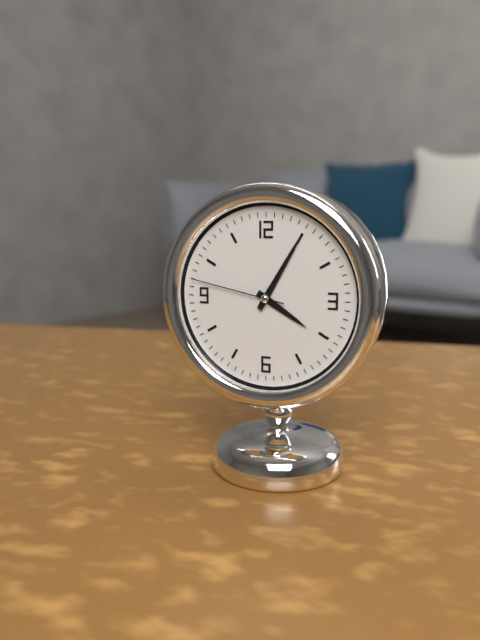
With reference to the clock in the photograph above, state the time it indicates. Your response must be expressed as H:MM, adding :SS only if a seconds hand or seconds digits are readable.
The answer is 4:05:47
